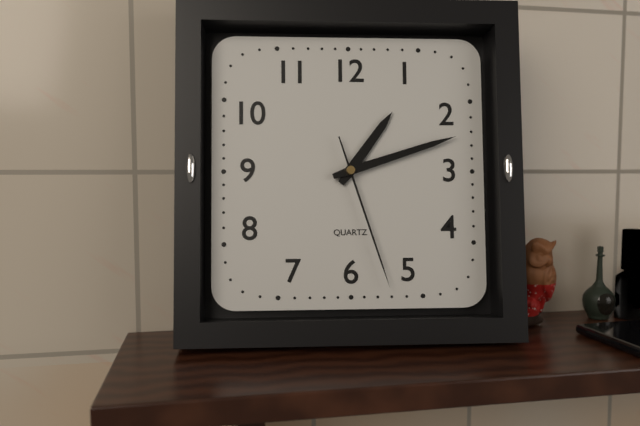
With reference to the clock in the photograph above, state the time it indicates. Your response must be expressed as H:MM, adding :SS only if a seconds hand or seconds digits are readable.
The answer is 1:12:27
